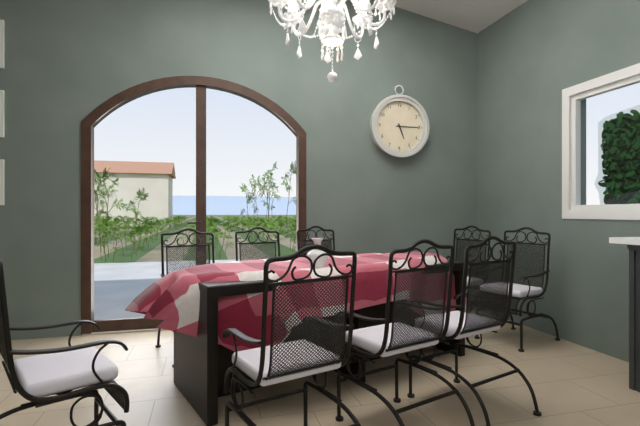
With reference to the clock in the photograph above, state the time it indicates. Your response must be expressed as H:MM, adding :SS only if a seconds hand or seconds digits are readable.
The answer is 5:15
